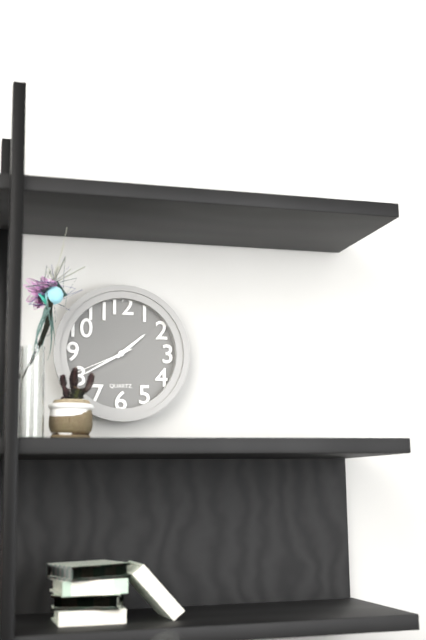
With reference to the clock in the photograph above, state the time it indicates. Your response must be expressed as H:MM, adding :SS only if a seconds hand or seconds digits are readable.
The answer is 1:40:41
